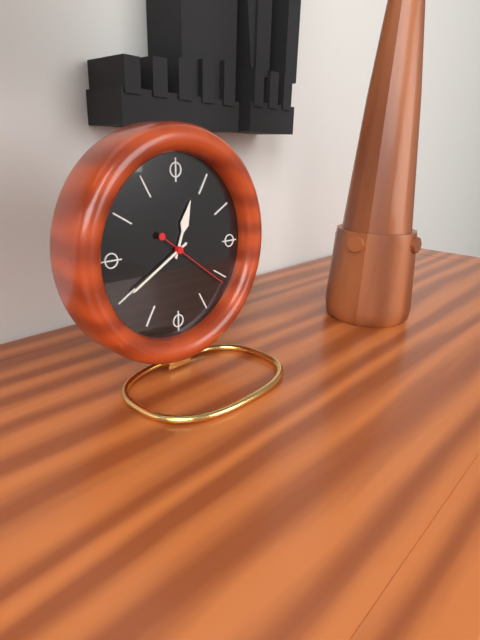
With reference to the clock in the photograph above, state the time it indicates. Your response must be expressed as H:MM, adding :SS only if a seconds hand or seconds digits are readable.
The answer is 12:40:21
